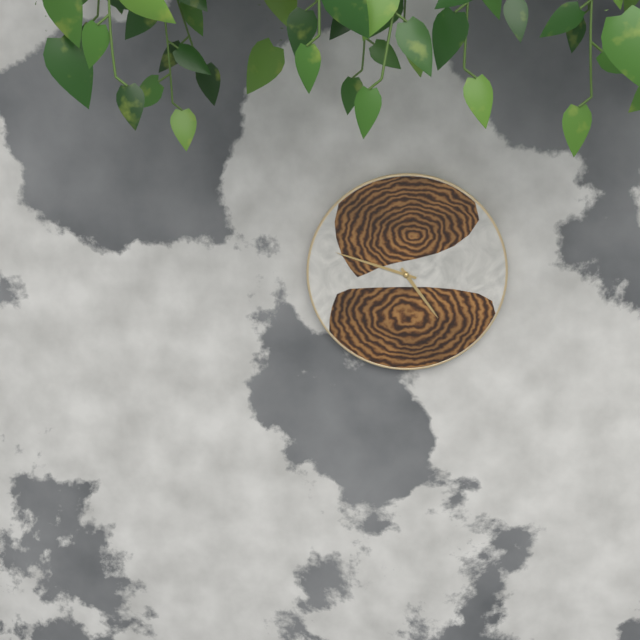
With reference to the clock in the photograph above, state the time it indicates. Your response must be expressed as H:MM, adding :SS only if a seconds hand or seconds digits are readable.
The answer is 4:48
